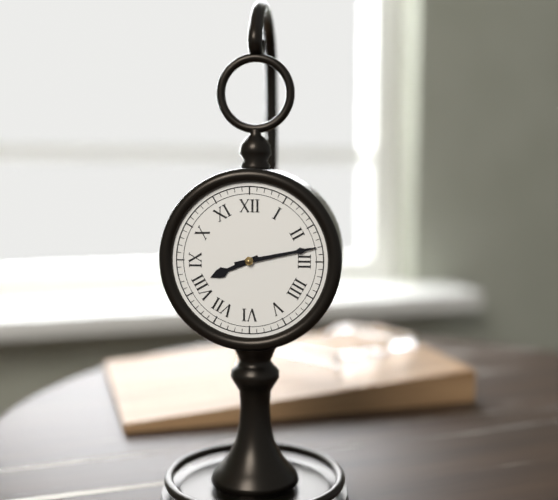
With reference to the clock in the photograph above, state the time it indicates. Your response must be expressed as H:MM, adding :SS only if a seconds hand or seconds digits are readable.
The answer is 8:13
